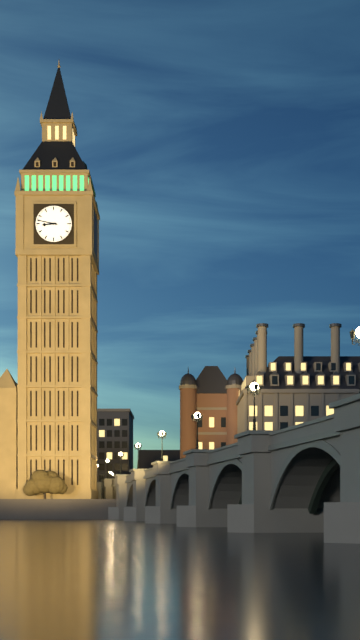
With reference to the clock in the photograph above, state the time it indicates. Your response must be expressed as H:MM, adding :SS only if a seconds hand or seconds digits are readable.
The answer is 8:47
